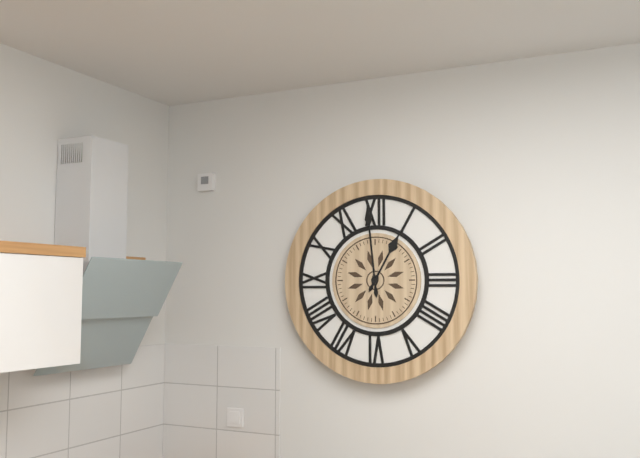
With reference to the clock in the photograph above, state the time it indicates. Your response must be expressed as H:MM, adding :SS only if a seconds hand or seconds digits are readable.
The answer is 12:59
